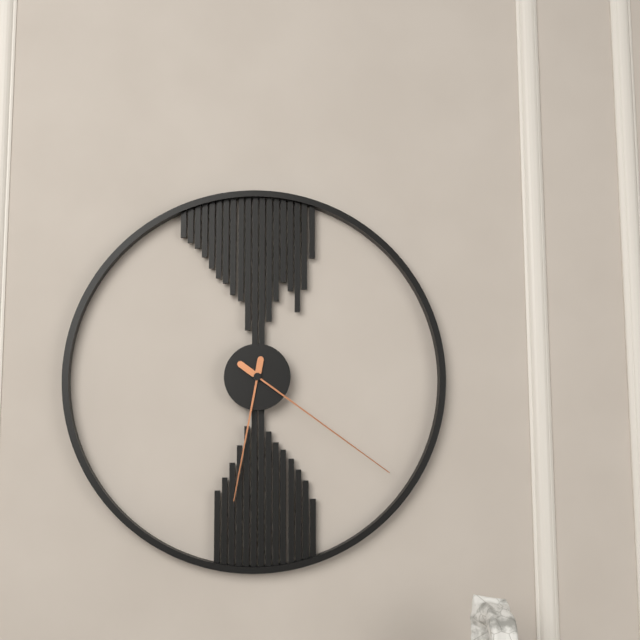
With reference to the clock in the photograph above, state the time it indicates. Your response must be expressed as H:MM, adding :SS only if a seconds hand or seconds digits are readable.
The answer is 6:21
